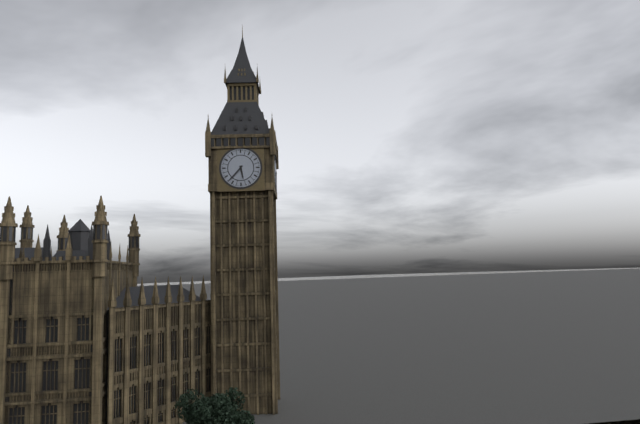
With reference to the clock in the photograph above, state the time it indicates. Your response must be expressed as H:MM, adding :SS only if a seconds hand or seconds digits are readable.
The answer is 5:37
